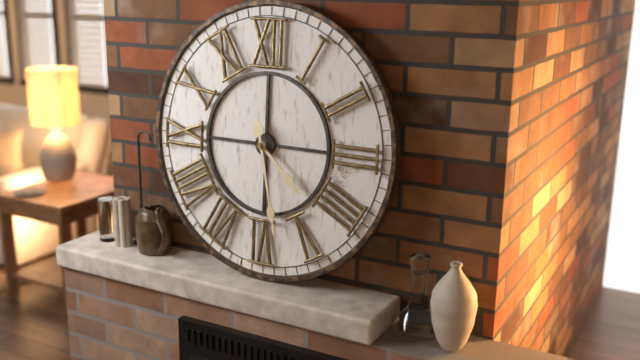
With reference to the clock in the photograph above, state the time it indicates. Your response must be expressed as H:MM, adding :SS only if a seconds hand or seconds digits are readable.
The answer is 4:28
